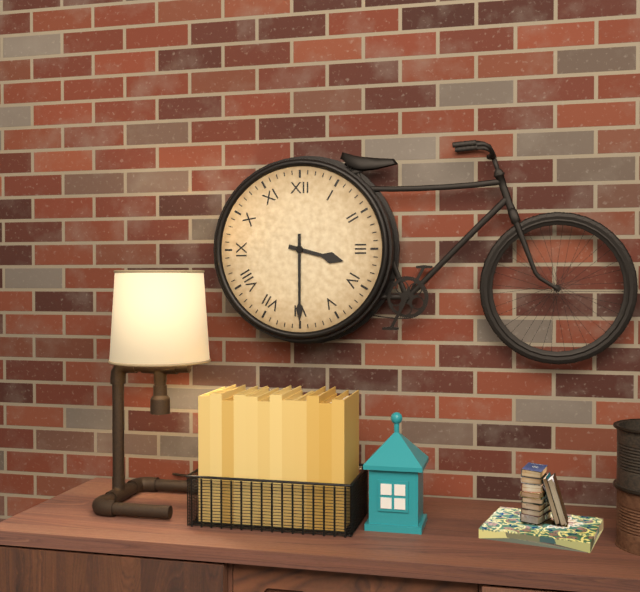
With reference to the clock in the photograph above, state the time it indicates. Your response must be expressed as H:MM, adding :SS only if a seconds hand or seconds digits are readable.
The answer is 3:30
